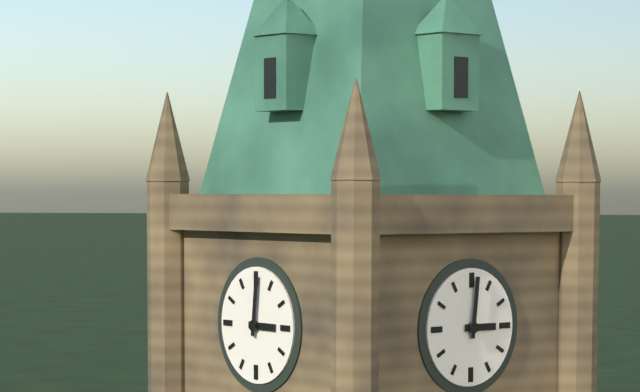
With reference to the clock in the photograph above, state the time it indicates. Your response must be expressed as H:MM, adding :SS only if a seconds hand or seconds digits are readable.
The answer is 3:01
